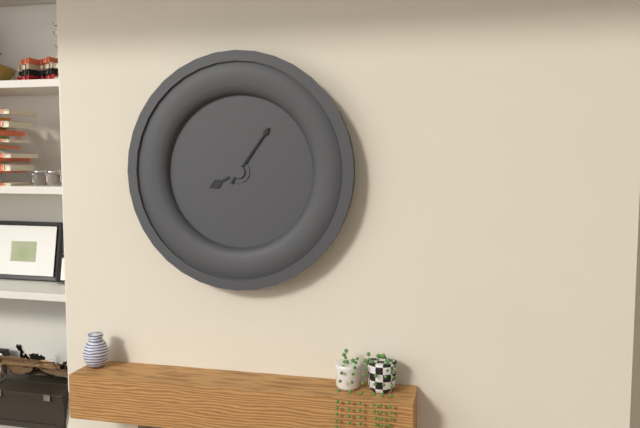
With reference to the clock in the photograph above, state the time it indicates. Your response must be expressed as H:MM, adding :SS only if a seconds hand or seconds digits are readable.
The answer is 8:06
